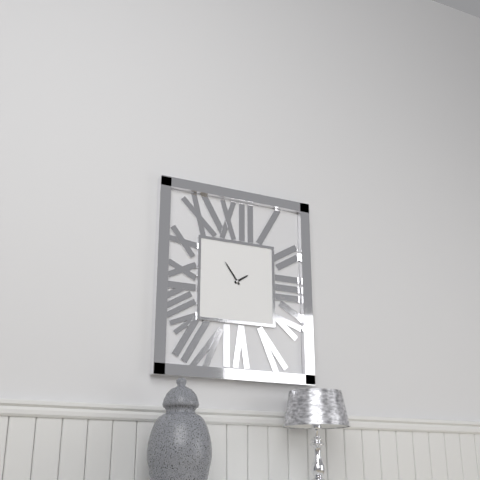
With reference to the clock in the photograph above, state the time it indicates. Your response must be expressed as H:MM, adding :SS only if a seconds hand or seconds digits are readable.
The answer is 1:54
